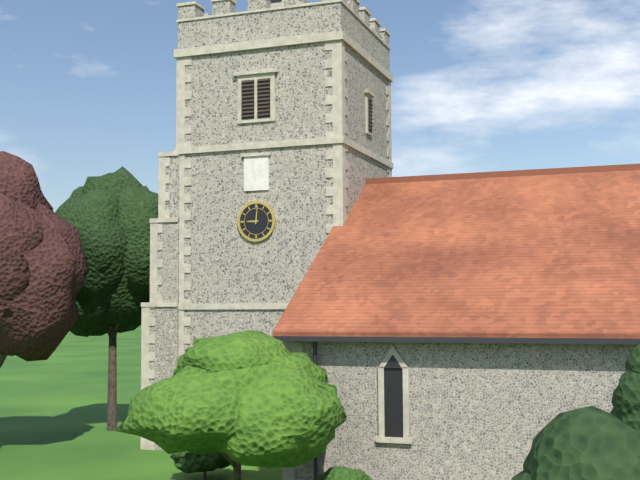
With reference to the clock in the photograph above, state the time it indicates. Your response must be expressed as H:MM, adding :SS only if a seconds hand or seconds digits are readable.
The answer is 9:01
